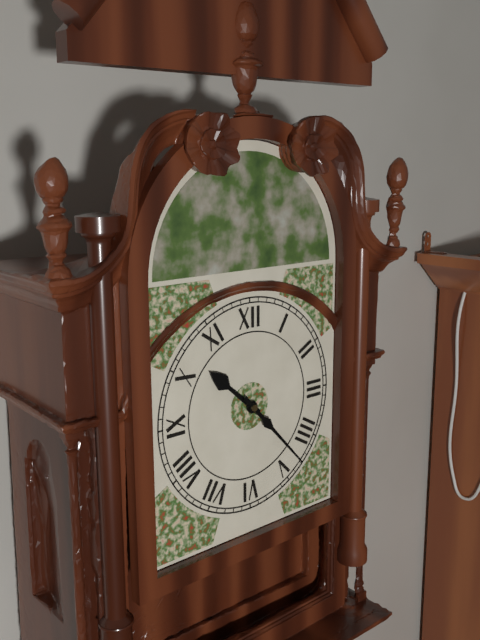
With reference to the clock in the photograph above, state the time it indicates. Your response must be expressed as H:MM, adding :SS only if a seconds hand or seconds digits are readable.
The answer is 10:23
